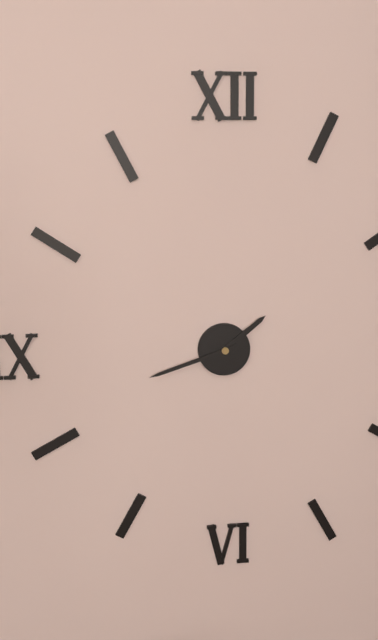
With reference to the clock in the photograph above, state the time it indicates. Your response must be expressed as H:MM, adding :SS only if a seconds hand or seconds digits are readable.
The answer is 1:42
